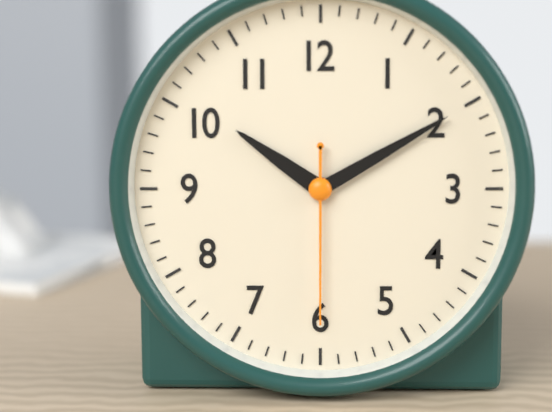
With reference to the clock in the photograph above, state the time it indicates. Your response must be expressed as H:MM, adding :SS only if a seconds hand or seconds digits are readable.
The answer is 10:10:30
